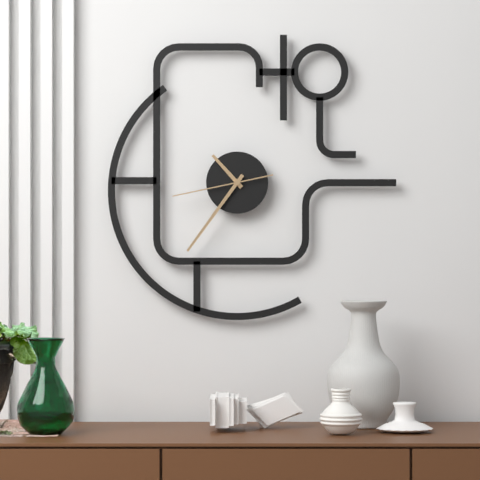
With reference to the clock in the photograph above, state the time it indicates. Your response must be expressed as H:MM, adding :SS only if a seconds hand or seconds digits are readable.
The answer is 10:36:43
